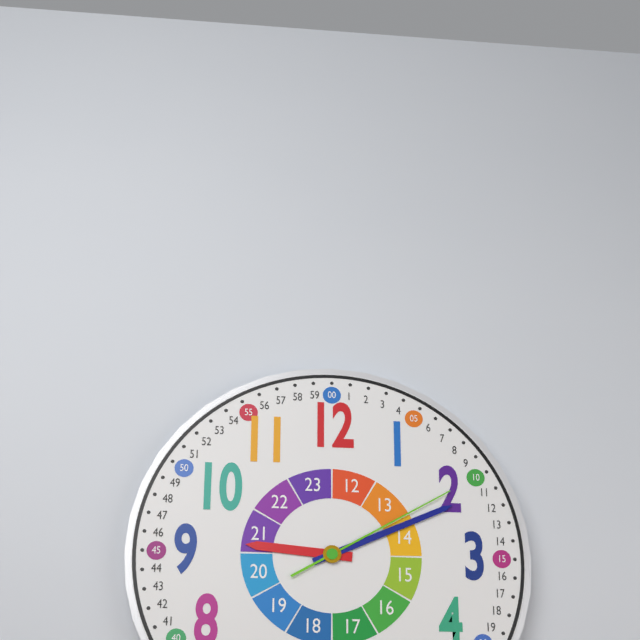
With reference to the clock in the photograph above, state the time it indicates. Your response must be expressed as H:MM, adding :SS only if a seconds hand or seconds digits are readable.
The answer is 9:11:10
